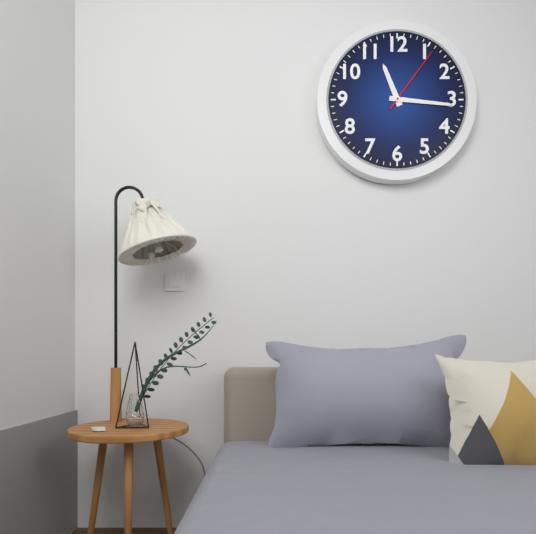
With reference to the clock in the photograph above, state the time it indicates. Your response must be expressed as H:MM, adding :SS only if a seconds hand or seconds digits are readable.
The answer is 11:16:06
